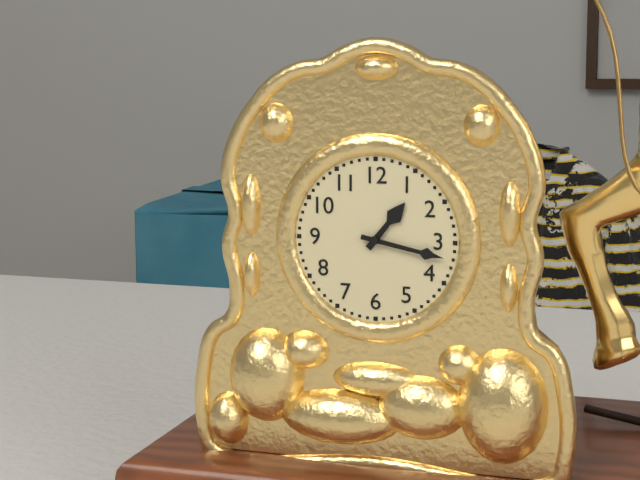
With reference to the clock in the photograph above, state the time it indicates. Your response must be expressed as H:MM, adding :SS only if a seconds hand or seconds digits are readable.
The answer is 1:17
